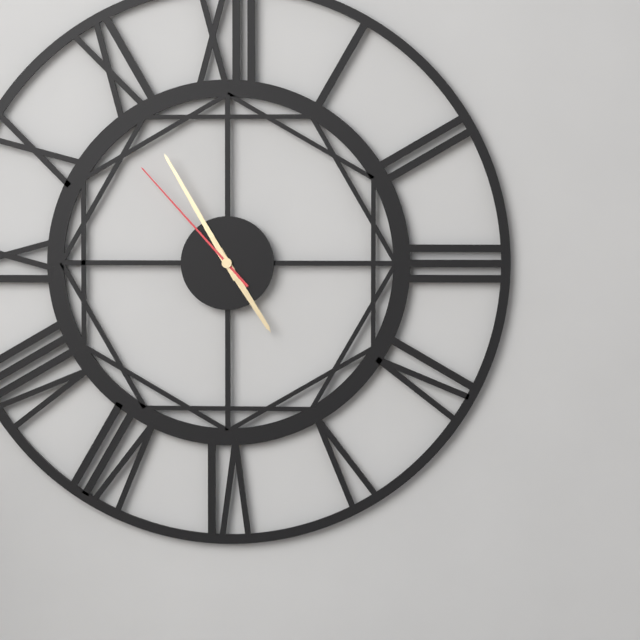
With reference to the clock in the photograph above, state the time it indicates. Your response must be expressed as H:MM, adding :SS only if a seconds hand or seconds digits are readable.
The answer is 4:55:53
